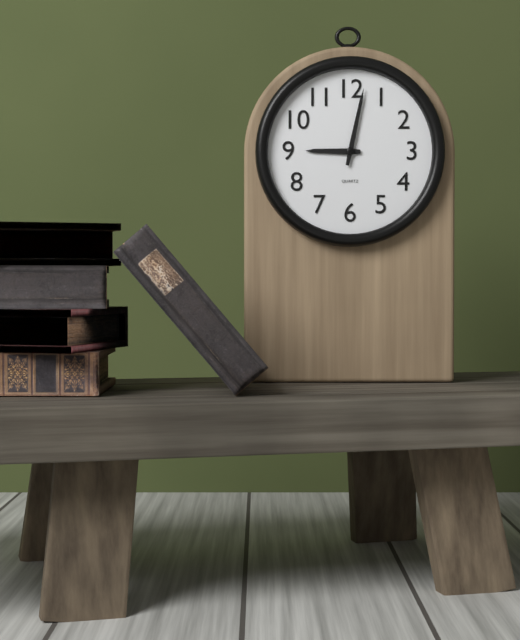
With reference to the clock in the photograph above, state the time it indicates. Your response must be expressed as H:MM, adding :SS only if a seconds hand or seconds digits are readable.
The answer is 9:02
